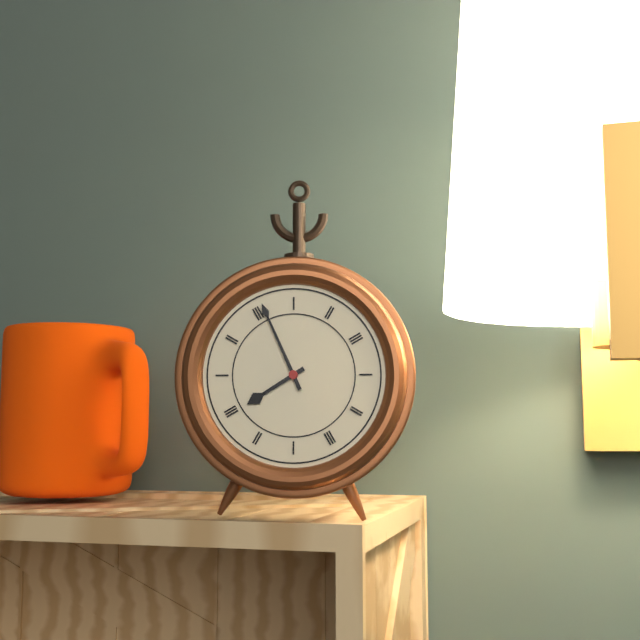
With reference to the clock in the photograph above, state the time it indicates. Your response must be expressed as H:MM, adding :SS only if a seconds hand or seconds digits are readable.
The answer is 7:56
